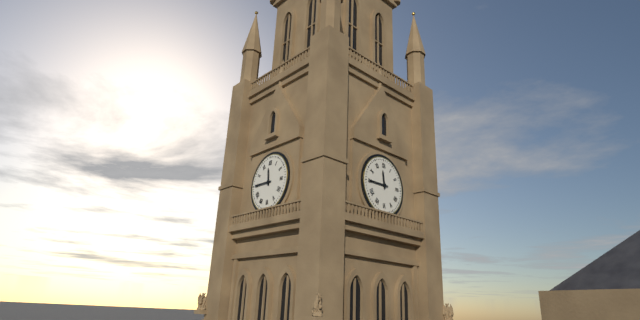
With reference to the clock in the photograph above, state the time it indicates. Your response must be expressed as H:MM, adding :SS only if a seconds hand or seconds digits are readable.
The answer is 11:45
